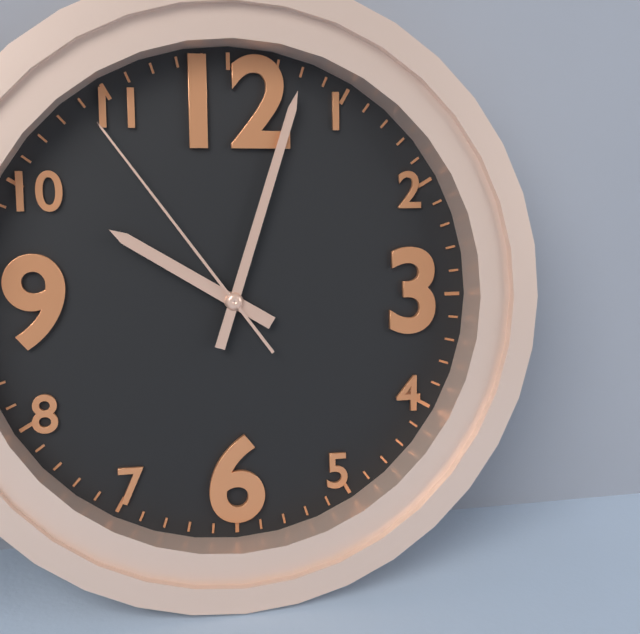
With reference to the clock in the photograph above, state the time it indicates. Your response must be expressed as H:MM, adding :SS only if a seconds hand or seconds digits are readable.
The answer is 10:03:54
